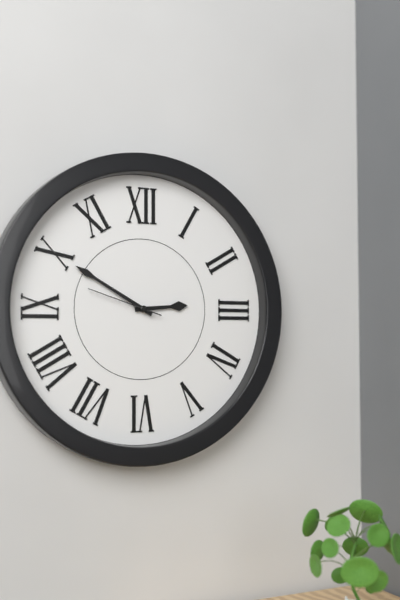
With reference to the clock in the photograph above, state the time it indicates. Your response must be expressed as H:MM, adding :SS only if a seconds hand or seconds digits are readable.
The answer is 2:50:48
